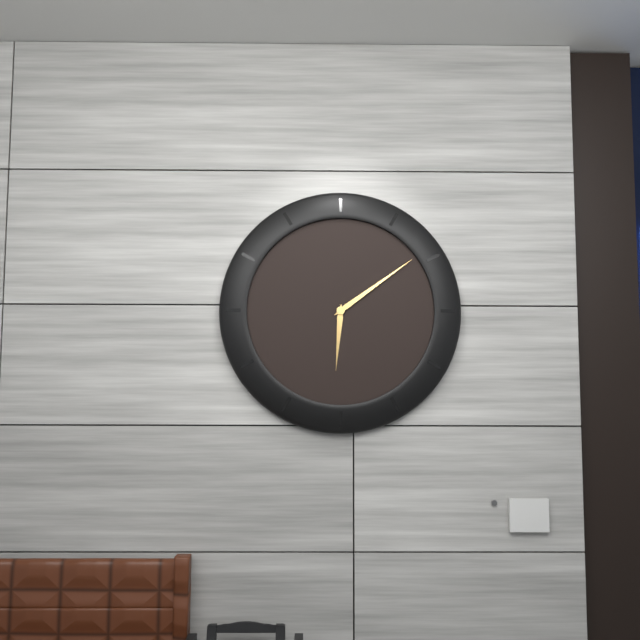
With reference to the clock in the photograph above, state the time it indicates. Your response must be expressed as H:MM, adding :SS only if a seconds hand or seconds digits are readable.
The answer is 6:09
